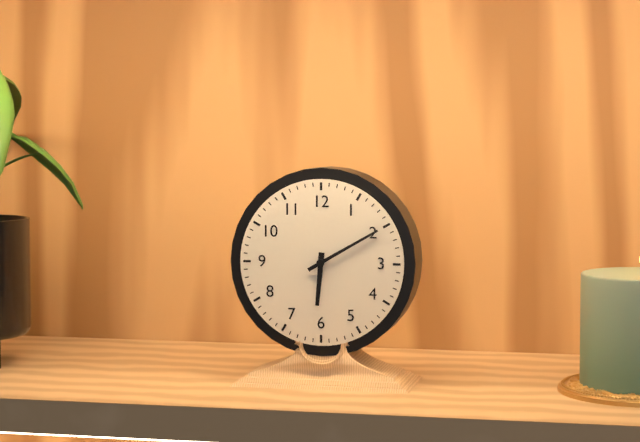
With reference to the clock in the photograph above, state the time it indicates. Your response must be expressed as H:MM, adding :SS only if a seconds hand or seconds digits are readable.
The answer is 6:10
